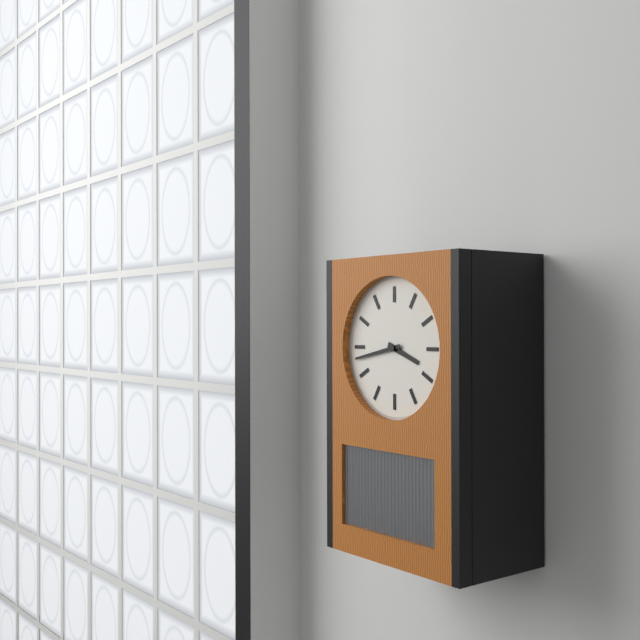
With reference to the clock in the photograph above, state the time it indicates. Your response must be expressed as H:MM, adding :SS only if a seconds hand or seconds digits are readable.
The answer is 3:43
